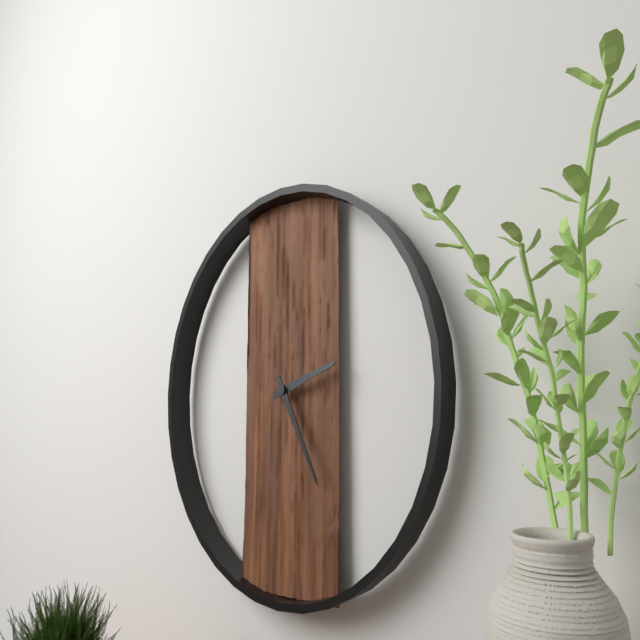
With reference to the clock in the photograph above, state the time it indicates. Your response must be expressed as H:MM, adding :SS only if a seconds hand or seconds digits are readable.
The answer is 2:25
